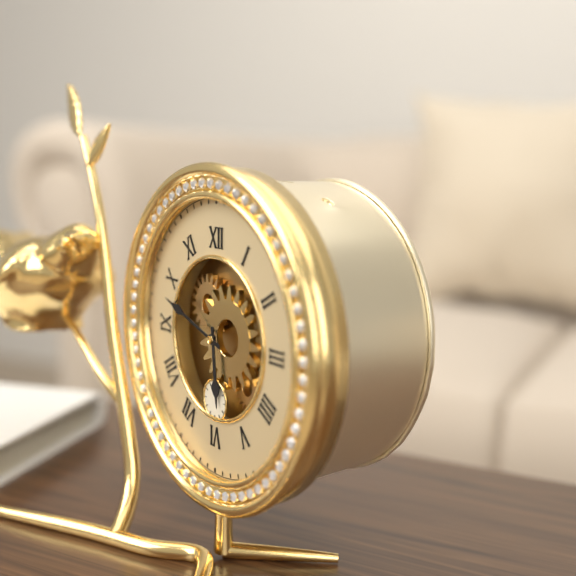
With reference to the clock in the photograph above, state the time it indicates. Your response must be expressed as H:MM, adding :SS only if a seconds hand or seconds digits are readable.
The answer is 5:48
